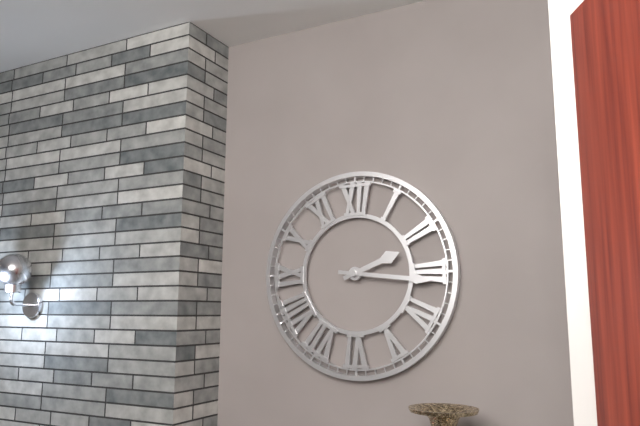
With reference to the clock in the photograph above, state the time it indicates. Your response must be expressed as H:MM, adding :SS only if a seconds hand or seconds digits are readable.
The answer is 2:16
